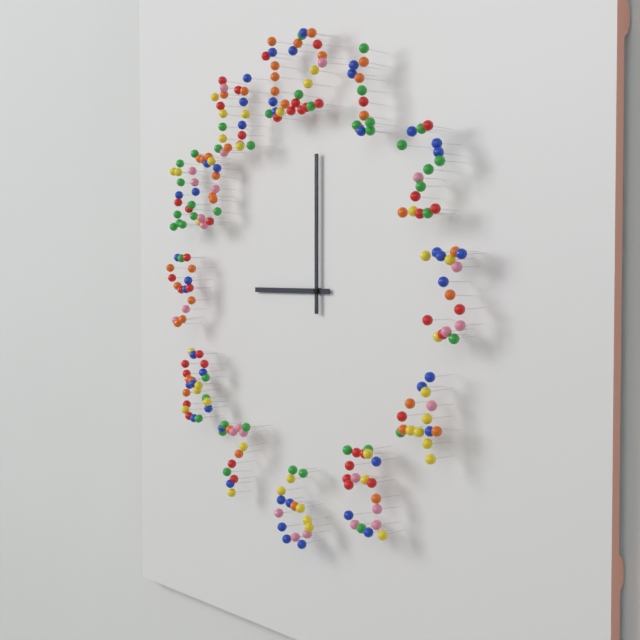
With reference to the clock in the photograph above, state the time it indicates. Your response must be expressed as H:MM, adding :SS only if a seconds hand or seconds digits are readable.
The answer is 9:00
